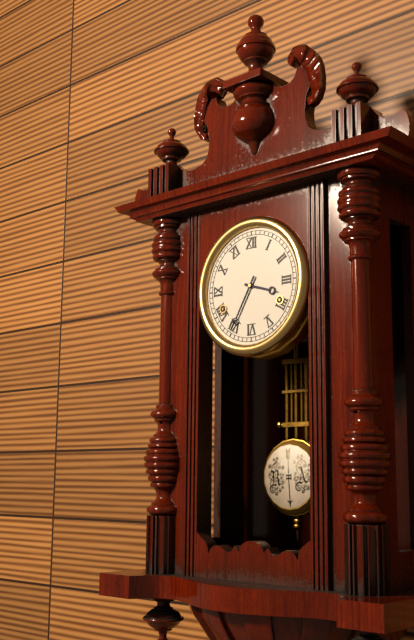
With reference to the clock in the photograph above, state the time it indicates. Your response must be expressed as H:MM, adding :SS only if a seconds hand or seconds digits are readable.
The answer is 3:35
